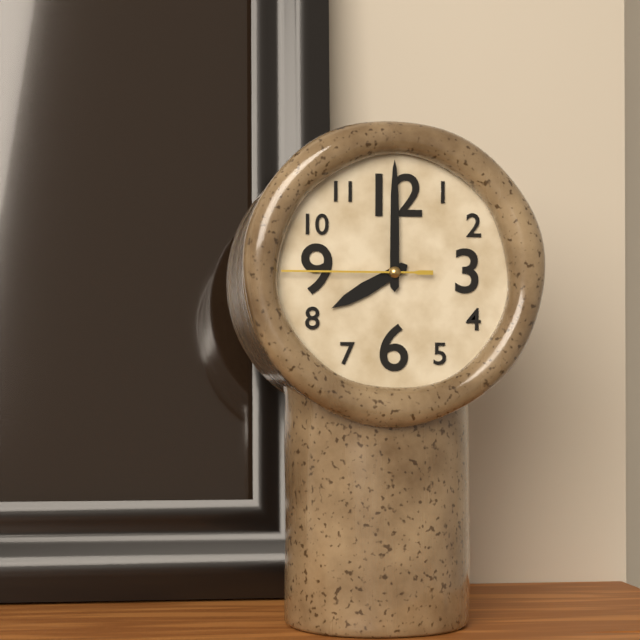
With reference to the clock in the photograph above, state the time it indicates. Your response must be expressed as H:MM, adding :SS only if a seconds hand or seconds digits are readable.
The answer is 8:00:45
